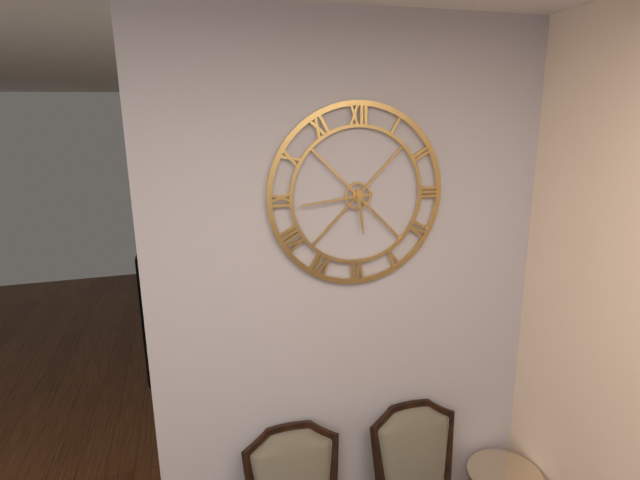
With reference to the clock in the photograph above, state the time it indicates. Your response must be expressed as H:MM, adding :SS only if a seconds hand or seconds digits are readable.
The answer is 5:44
